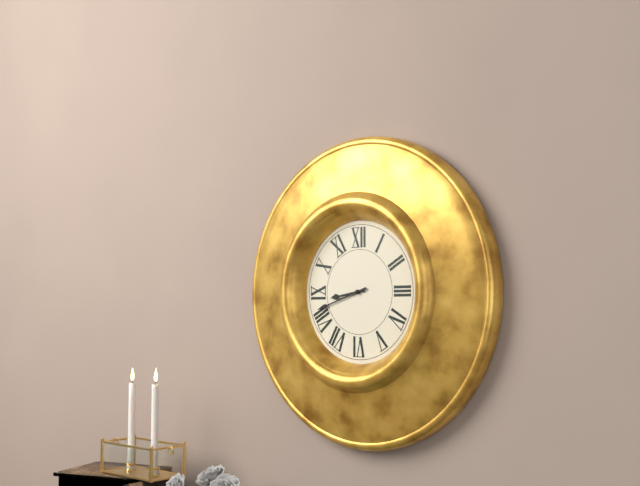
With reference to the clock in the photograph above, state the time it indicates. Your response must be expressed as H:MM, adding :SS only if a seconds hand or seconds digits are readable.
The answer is 8:42
